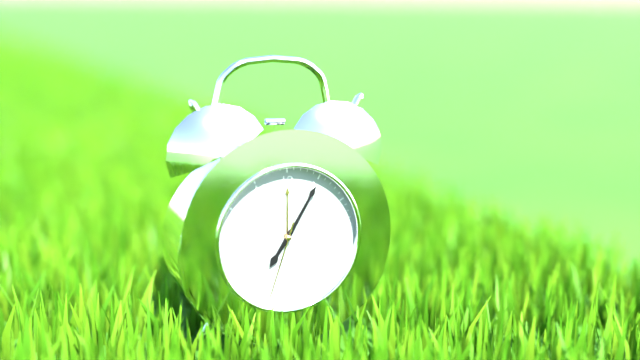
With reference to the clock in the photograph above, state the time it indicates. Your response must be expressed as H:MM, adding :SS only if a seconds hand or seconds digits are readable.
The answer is 7:05:33
